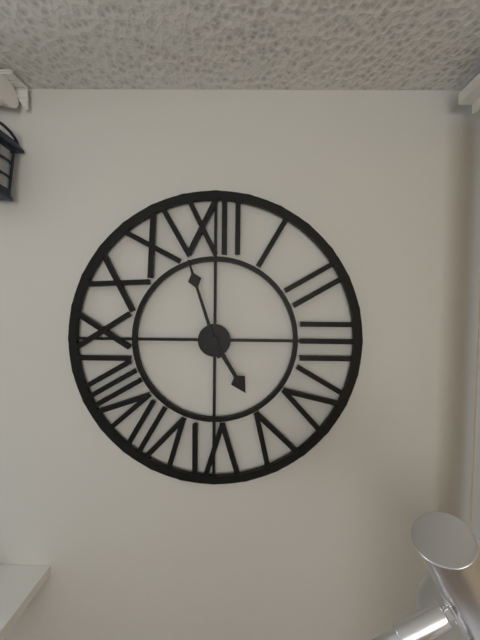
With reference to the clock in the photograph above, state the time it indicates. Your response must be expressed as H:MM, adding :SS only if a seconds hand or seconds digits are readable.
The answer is 4:57
